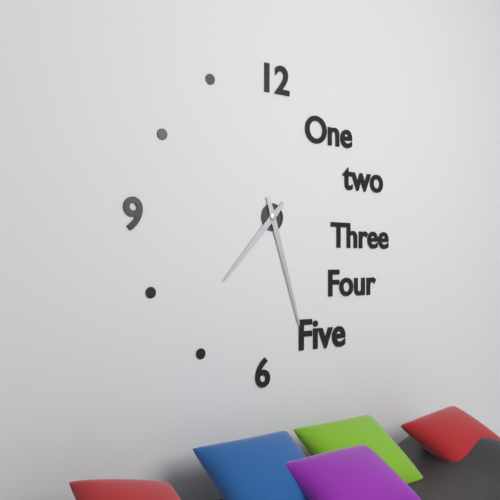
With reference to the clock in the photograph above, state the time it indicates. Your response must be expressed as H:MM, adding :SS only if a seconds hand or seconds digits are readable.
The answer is 7:27
